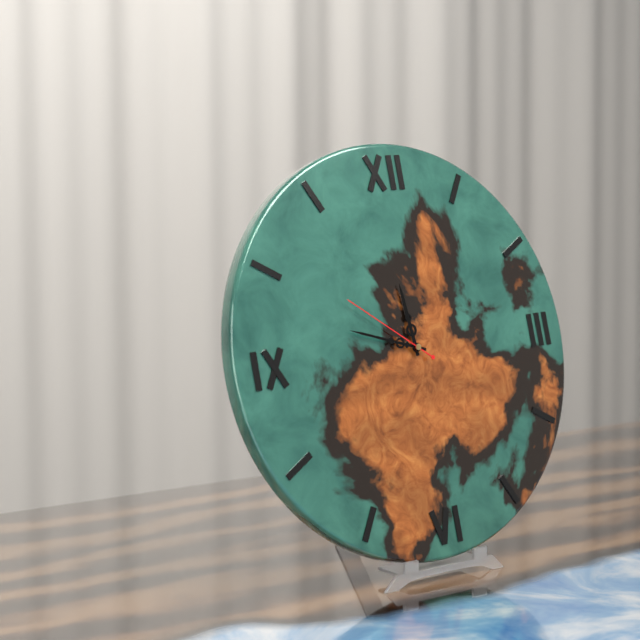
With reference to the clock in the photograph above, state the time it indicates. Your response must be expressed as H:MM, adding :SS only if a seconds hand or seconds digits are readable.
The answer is 11:48:51
